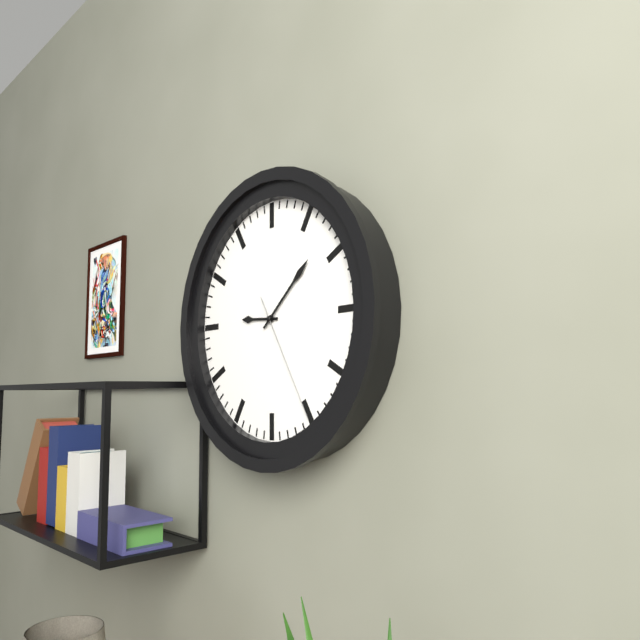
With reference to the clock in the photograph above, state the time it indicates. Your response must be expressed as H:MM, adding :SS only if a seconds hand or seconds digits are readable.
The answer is 9:08:25
